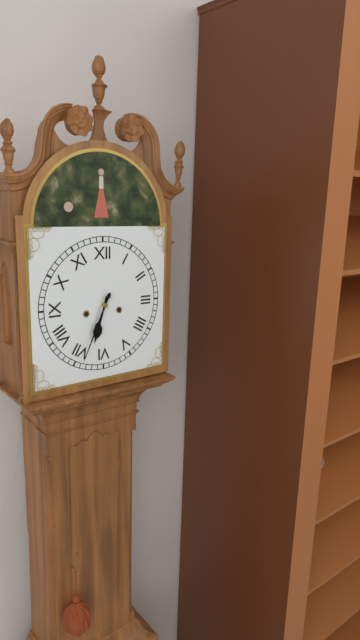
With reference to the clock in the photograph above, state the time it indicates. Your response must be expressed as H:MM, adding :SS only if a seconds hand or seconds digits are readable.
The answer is 6:34
